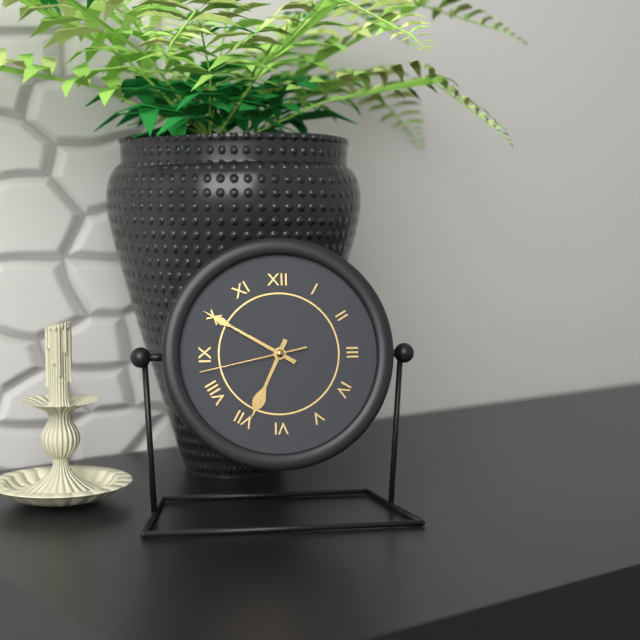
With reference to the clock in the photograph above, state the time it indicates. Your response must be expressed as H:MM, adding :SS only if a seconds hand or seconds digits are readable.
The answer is 6:50:43
